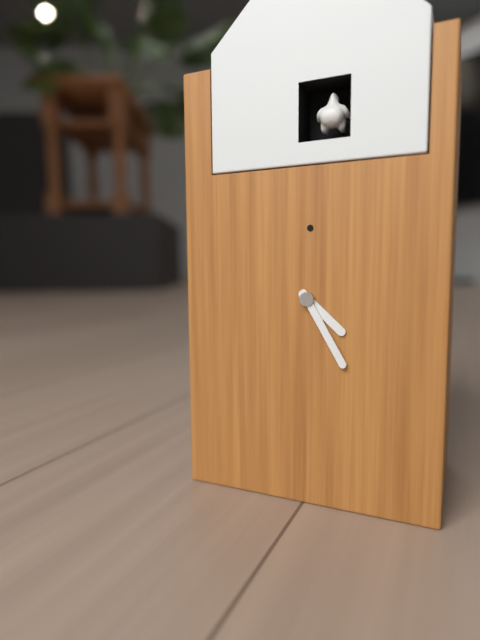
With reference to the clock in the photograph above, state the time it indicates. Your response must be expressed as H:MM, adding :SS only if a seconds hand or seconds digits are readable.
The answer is 4:25
